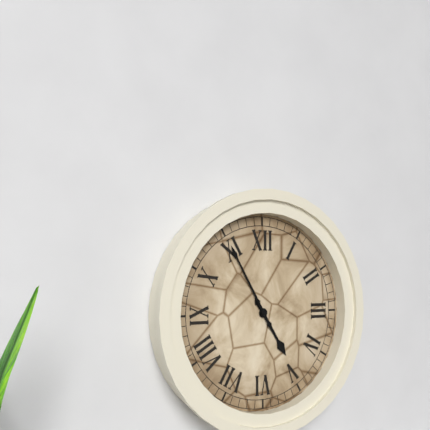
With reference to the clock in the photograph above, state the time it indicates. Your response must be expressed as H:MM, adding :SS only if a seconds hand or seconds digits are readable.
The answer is 4:55
